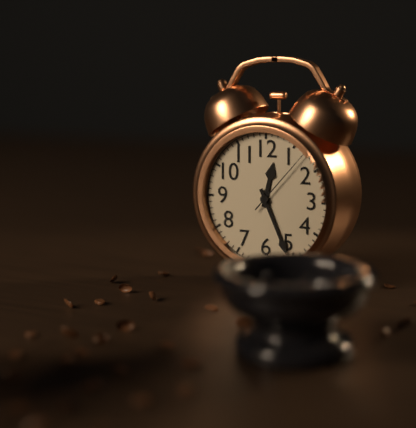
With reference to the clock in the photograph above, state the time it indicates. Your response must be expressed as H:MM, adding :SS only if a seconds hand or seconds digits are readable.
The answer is 12:26:07
